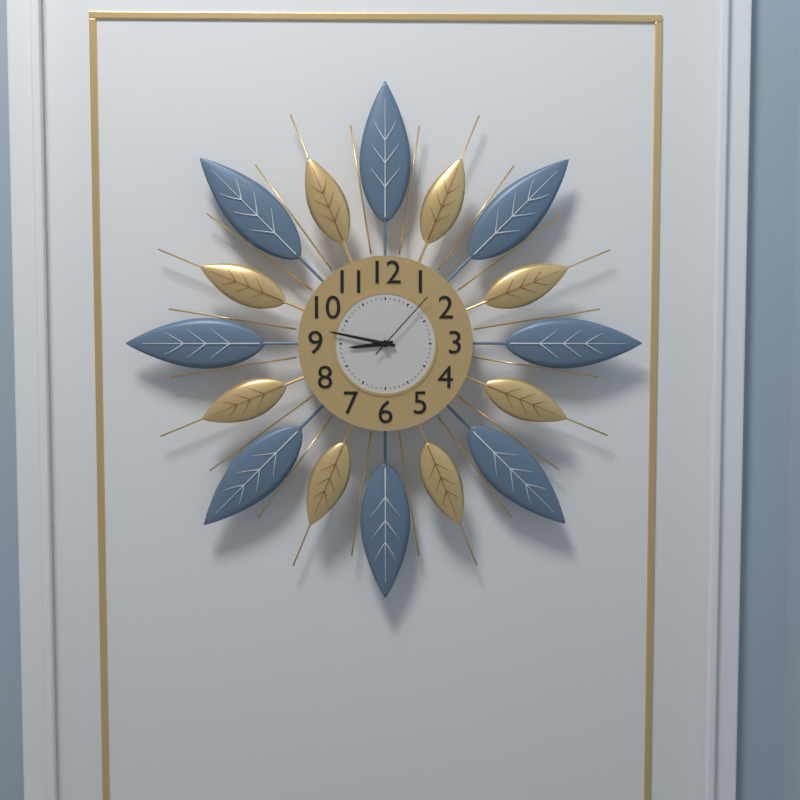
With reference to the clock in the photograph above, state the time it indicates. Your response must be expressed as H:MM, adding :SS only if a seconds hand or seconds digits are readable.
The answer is 8:47:07
